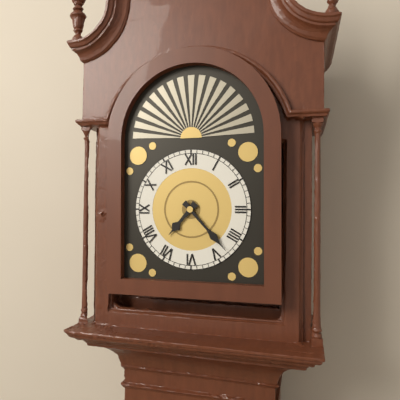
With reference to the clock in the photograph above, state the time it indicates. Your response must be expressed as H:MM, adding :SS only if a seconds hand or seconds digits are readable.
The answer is 7:23
